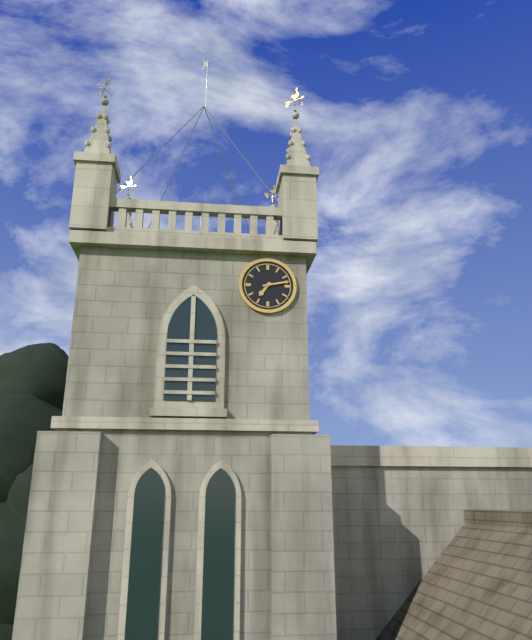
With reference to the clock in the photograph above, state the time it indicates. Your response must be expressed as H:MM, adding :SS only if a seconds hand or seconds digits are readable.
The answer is 7:13
